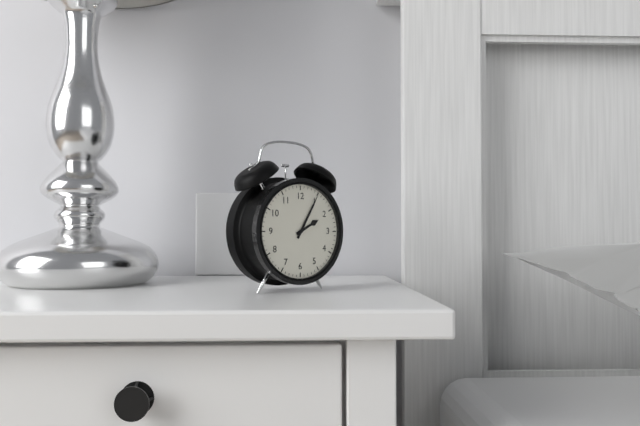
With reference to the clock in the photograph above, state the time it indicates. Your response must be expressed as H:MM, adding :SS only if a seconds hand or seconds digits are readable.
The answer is 2:05
